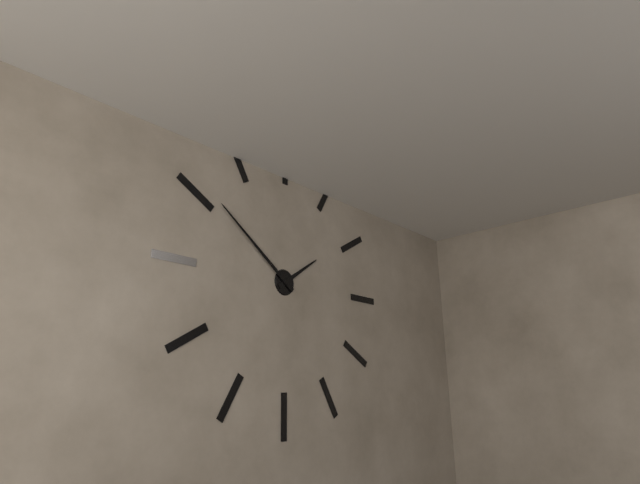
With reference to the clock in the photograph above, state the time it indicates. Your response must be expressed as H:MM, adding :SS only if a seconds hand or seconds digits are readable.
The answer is 1:51
